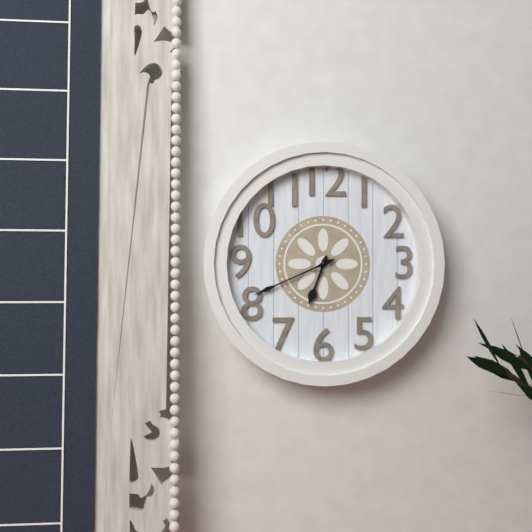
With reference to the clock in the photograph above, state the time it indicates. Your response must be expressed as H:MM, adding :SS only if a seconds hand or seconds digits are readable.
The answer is 6:41
